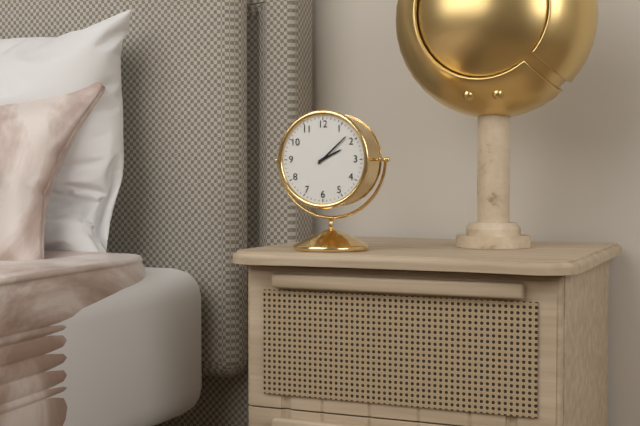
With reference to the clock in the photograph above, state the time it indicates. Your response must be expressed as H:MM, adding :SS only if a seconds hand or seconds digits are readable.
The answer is 2:08
